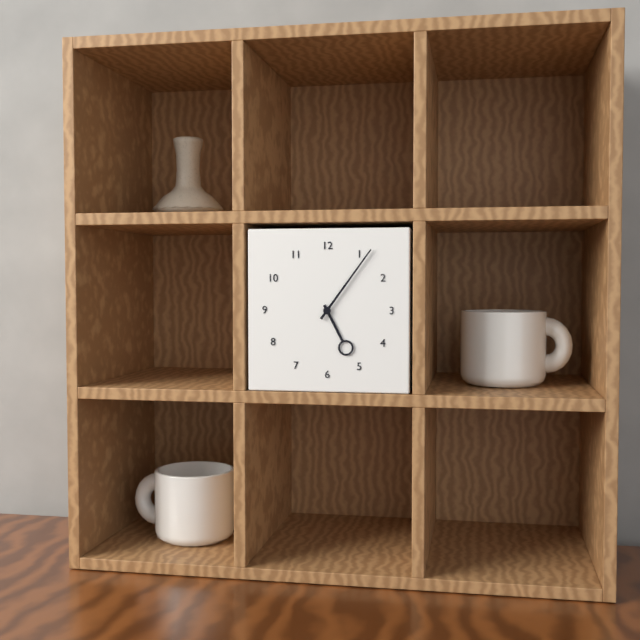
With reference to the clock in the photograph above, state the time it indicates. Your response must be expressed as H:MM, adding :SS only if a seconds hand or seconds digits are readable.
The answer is 5:06
